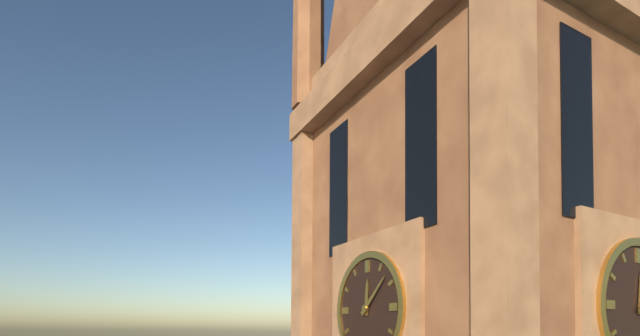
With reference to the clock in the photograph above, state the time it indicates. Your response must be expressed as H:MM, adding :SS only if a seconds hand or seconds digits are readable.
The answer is 12:08
